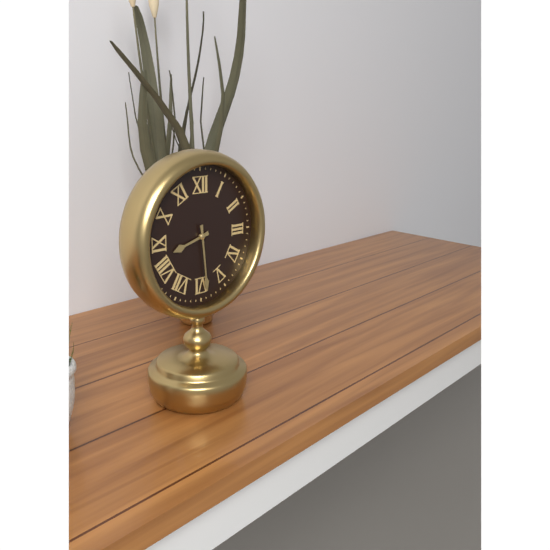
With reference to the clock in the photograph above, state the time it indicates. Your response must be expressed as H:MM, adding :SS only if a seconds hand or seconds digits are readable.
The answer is 8:29
